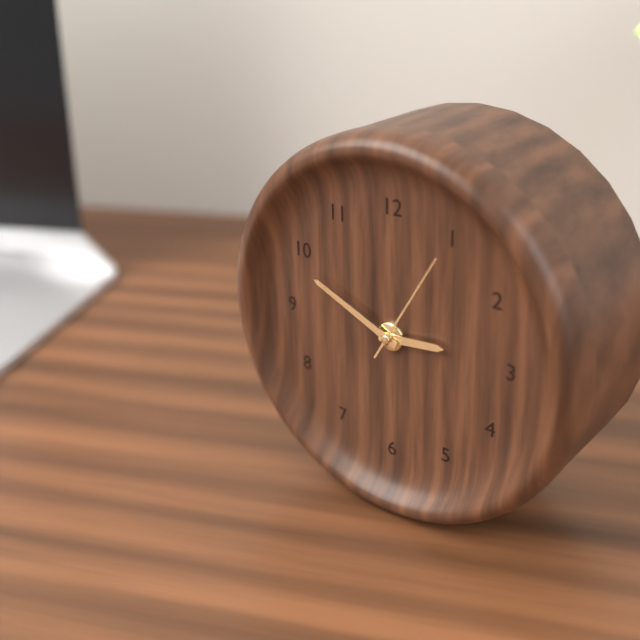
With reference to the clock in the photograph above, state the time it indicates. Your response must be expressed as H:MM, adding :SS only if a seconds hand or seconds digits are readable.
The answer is 2:49:05
